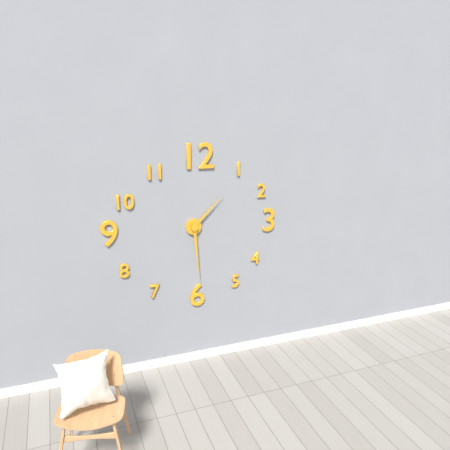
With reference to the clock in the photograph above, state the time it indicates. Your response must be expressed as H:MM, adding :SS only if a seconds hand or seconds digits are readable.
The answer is 1:29
